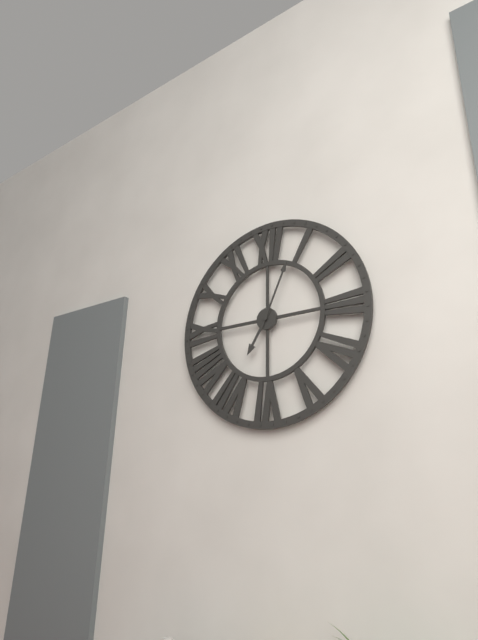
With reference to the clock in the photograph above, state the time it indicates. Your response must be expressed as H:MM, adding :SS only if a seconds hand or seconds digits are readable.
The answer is 7:04
